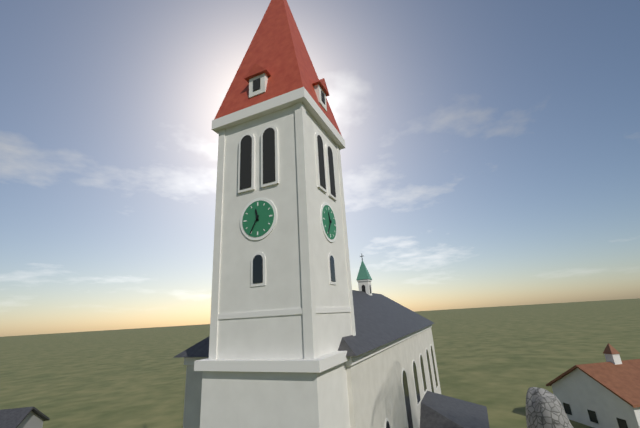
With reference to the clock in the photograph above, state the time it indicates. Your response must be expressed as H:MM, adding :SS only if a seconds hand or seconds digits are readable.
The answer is 11:35
